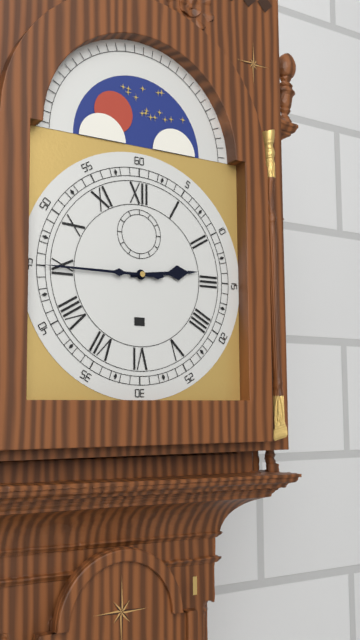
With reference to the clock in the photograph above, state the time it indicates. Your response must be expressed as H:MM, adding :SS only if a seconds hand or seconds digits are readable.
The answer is 2:45
